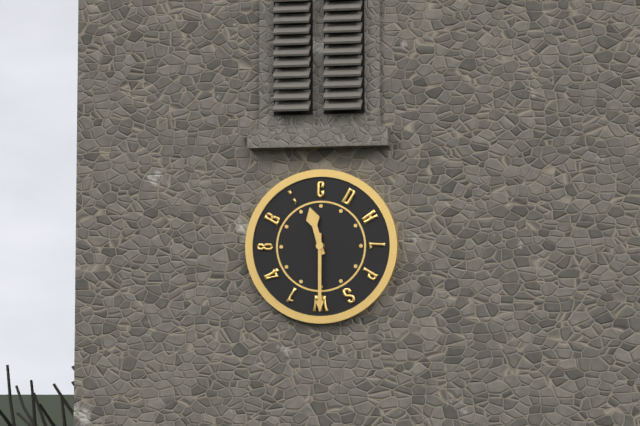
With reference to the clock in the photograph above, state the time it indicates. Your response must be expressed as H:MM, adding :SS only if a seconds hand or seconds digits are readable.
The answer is 11:30
